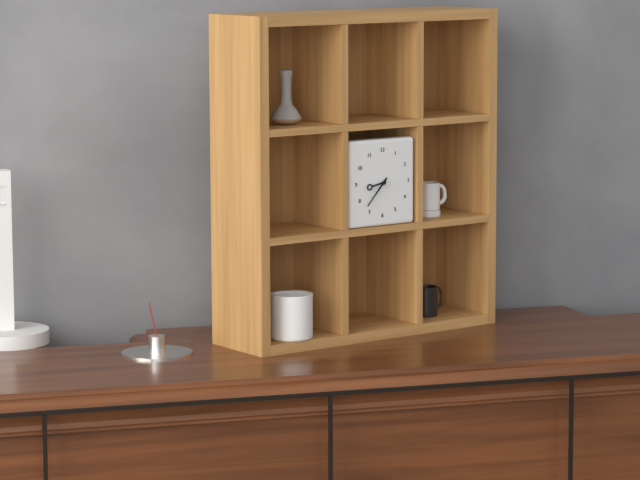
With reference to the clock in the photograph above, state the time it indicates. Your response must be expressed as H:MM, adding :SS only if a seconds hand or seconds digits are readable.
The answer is 8:37
